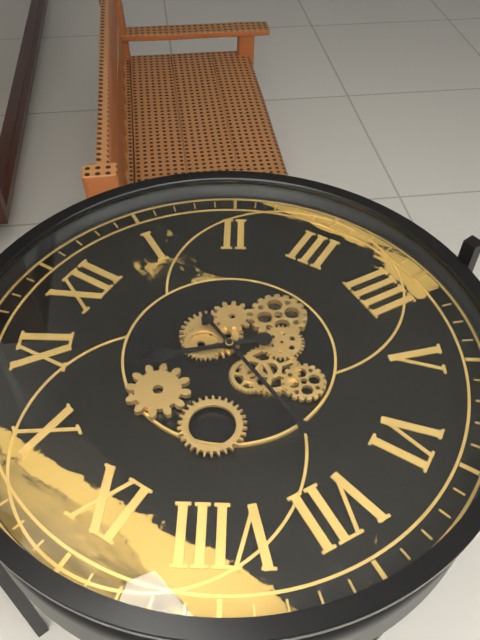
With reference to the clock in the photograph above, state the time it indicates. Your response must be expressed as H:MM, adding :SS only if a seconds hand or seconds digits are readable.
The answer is 10:34
